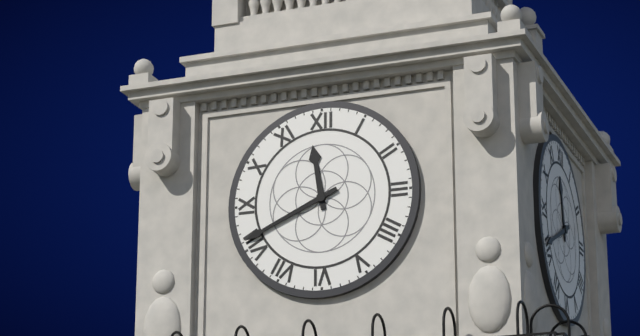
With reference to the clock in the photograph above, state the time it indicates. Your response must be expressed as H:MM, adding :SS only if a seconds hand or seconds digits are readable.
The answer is 11:41
